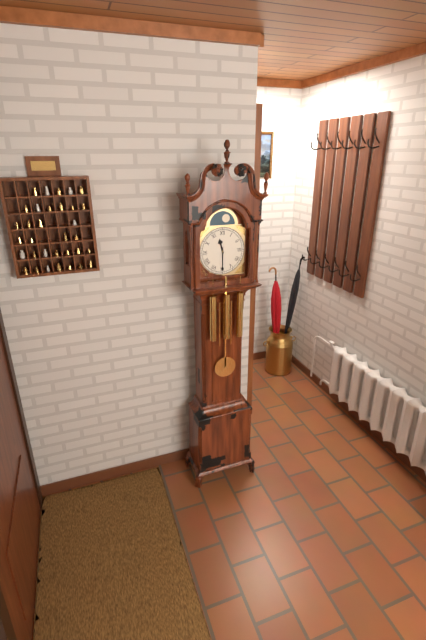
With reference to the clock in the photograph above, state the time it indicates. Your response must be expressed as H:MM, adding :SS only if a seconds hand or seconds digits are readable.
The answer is 11:30
